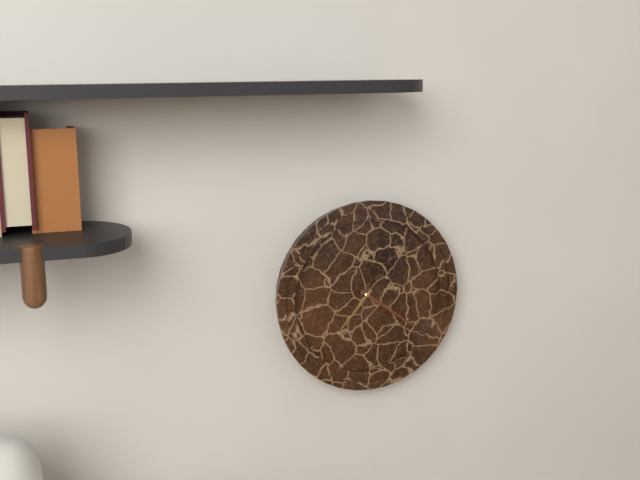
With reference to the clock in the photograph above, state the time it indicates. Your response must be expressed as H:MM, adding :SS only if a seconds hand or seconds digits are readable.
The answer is 7:21
